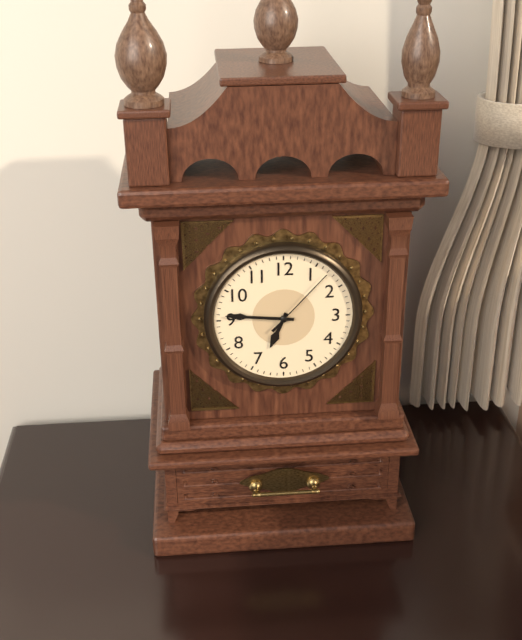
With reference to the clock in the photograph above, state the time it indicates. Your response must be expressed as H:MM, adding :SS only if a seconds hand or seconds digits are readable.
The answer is 6:46:07
